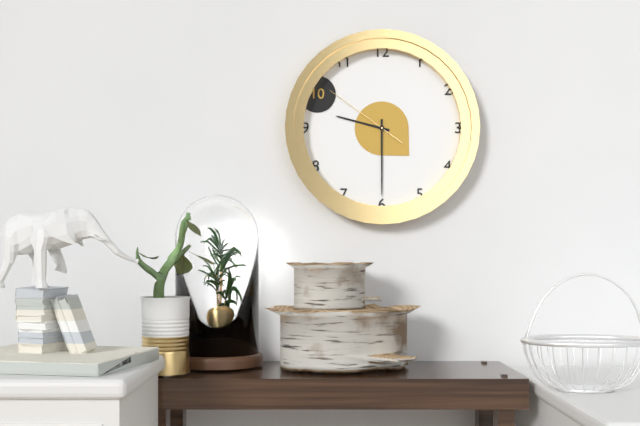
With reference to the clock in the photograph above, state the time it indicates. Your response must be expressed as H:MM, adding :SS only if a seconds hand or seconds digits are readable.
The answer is 9:30:51
